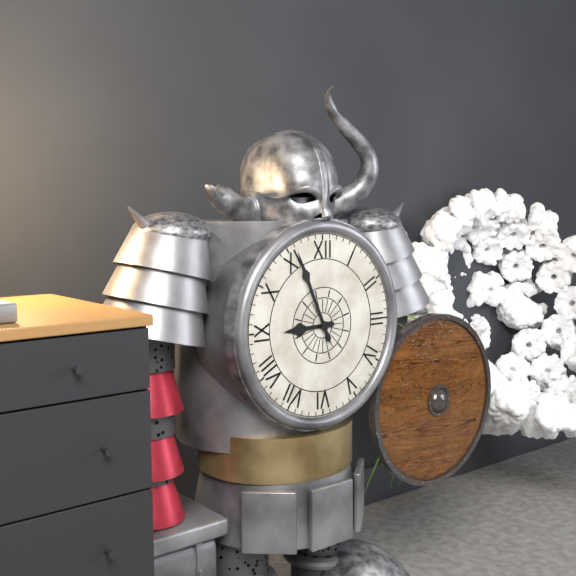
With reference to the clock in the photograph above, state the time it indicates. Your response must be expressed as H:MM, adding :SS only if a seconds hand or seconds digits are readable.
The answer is 8:56
